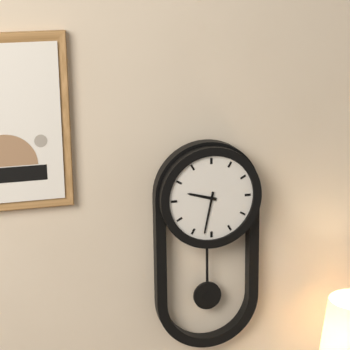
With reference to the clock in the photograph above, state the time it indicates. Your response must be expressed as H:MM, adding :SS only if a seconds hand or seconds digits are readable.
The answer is 9:32
